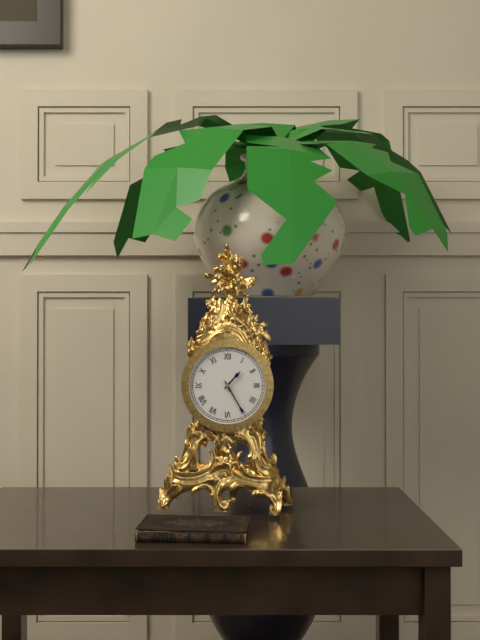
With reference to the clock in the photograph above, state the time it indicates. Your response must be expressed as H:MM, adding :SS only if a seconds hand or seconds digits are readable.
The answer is 1:25
